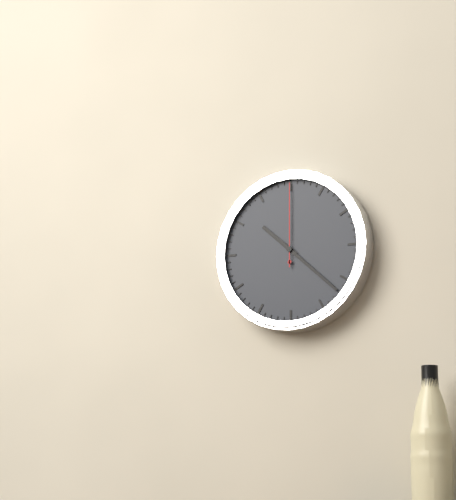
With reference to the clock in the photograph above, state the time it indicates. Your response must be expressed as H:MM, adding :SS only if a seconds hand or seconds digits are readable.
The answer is 10:22:00
